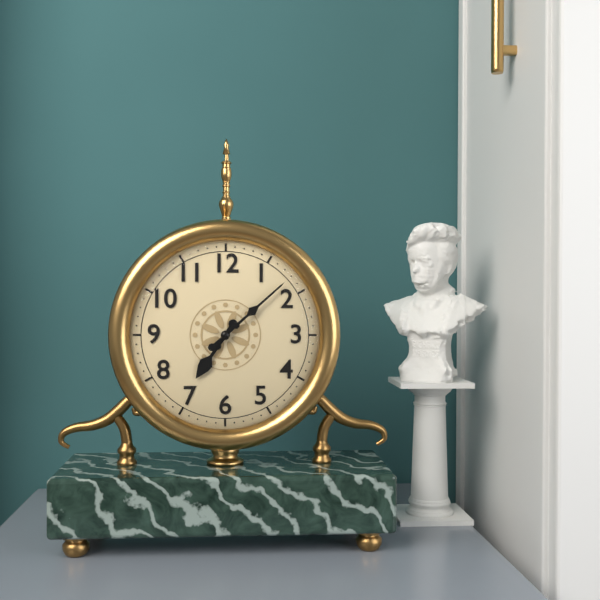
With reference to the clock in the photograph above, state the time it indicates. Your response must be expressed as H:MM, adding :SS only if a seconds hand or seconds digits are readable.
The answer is 7:08
